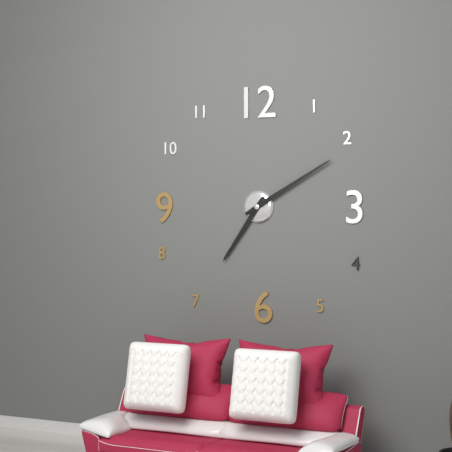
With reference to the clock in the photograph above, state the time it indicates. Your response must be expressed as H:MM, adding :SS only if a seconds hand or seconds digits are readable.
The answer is 7:10
